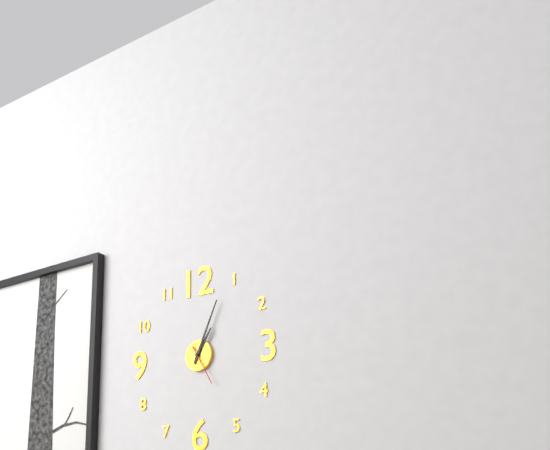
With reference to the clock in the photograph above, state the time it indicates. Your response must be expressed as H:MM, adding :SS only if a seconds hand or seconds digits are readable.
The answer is 1:04
